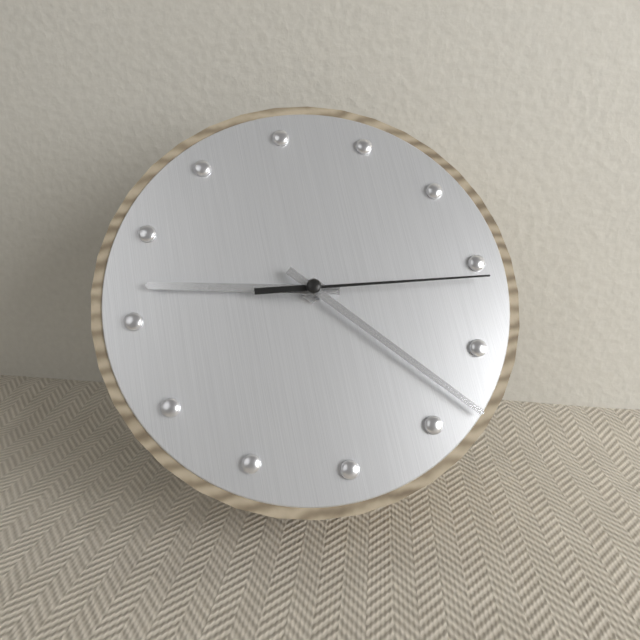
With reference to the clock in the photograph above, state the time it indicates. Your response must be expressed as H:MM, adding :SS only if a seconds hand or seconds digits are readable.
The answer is 9:23:16
